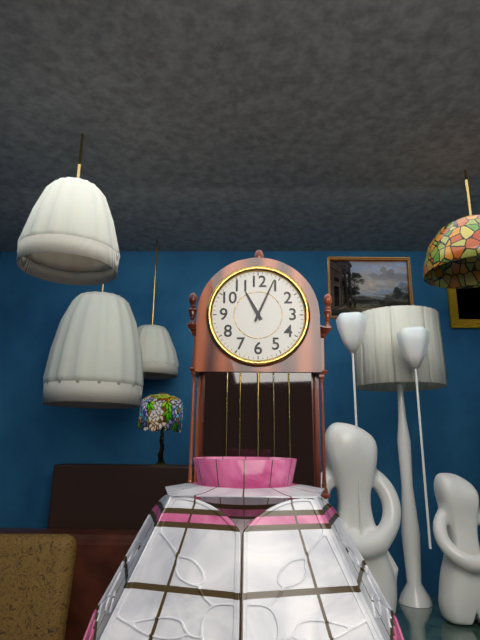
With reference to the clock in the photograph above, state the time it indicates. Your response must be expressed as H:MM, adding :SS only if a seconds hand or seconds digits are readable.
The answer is 11:04
